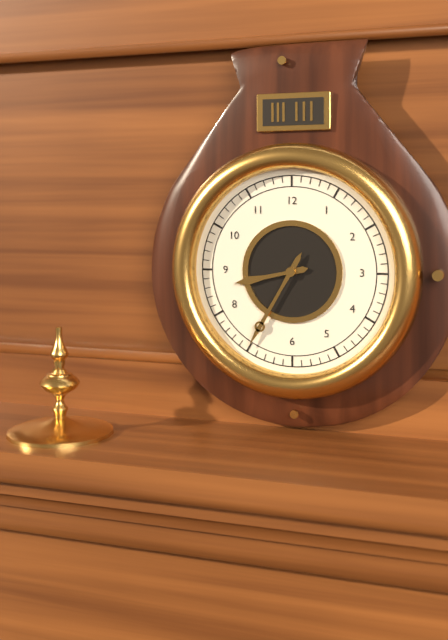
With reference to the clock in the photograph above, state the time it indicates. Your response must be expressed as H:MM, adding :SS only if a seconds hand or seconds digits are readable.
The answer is 8:35
